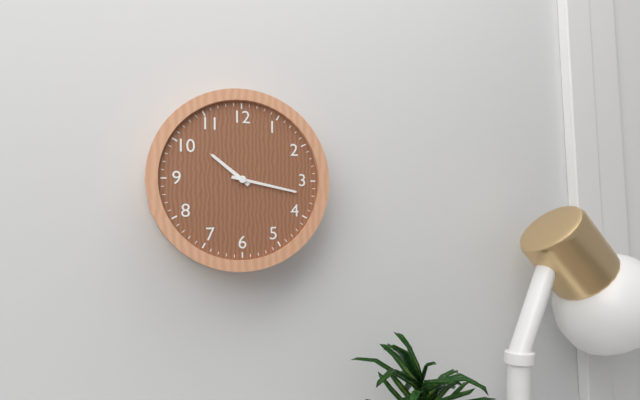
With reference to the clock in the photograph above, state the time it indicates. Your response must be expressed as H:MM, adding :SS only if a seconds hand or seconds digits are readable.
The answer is 10:17
